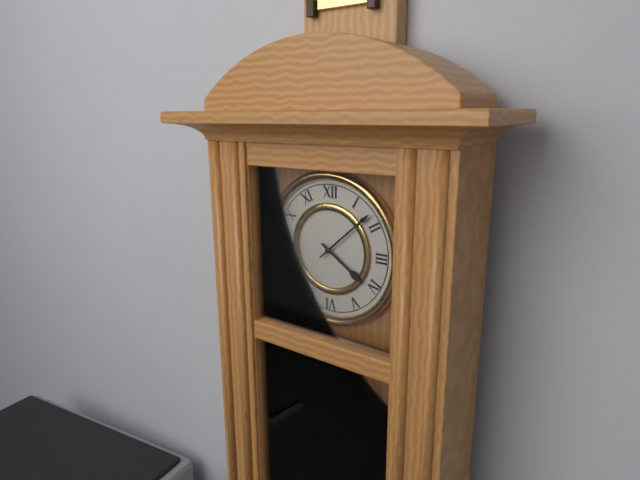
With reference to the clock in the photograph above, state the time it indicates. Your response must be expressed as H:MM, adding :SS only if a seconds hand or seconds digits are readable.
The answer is 4:08
